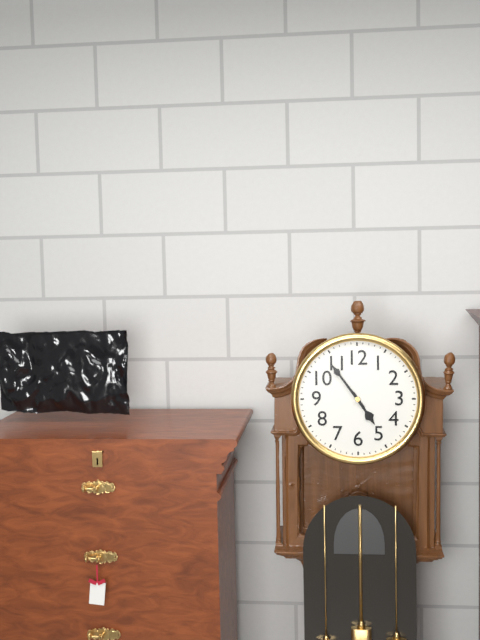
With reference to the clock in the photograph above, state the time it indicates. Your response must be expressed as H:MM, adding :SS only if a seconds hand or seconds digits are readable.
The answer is 4:54
